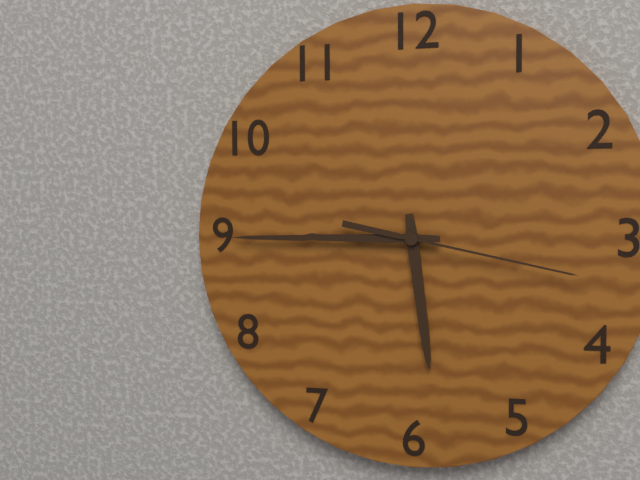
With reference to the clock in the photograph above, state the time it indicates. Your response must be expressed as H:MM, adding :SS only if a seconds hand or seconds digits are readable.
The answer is 5:45:17
